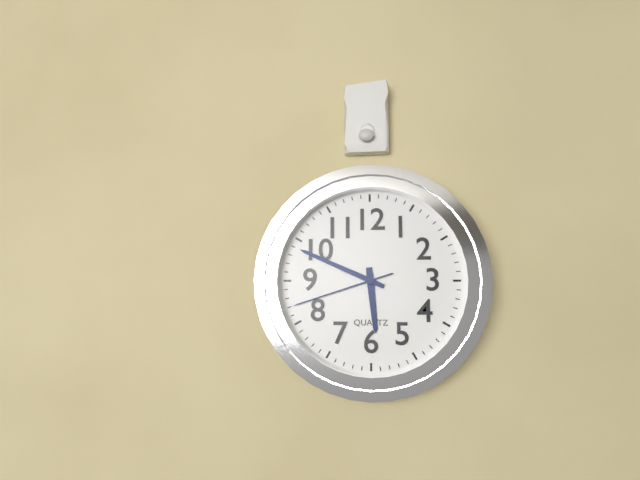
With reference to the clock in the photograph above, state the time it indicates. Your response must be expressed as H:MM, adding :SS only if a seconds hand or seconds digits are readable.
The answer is 5:49:42
